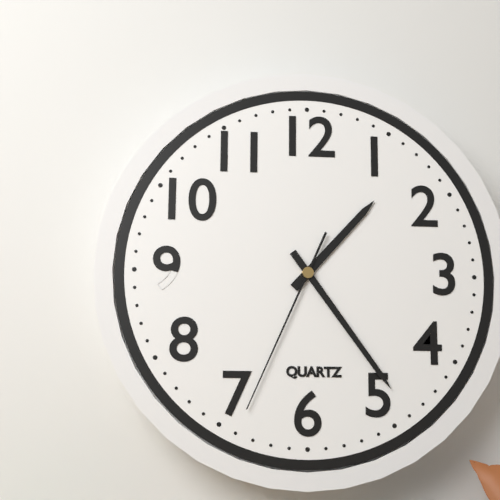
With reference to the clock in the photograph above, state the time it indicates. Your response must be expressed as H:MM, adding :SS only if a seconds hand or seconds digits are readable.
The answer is 1:24:34
